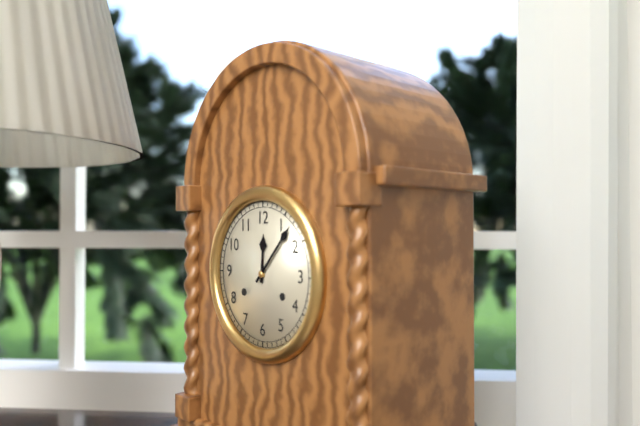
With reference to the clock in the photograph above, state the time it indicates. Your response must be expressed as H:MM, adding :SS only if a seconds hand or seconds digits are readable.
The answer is 12:07
